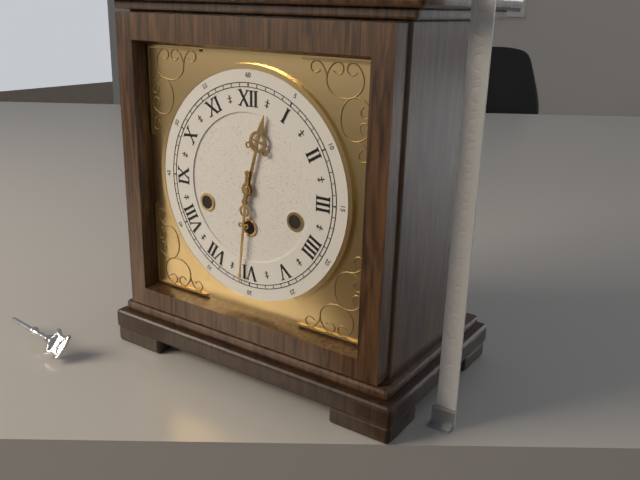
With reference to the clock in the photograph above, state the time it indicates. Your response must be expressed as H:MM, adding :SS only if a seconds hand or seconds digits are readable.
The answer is 12:31
